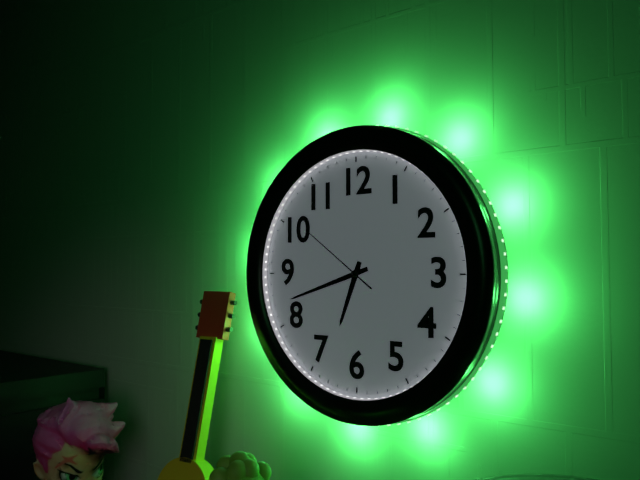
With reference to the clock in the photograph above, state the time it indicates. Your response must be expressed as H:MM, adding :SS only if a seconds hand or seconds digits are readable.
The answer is 6:42:51
